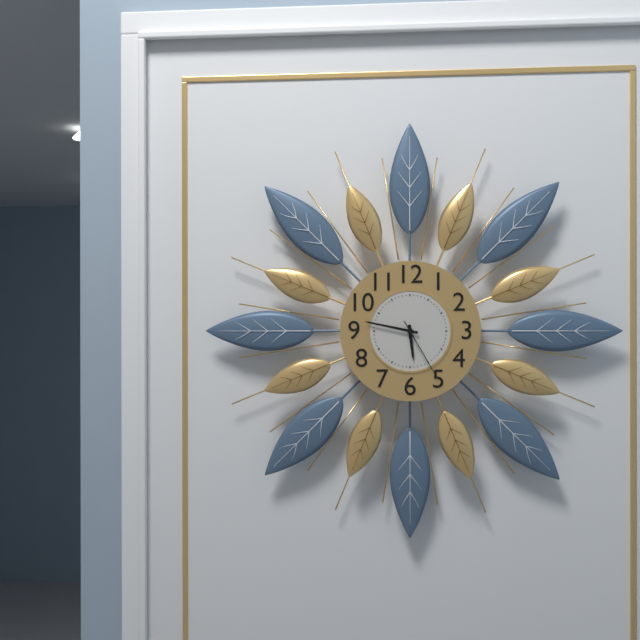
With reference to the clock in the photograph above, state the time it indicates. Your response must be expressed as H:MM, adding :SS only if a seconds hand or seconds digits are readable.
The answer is 5:47:25
